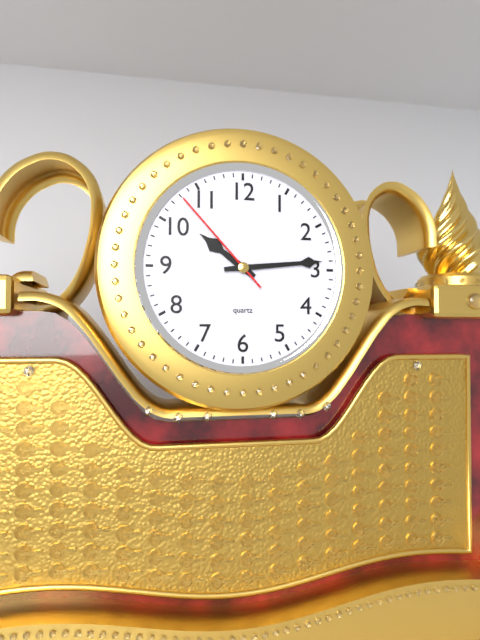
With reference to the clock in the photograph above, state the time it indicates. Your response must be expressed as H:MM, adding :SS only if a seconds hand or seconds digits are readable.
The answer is 10:14:53
